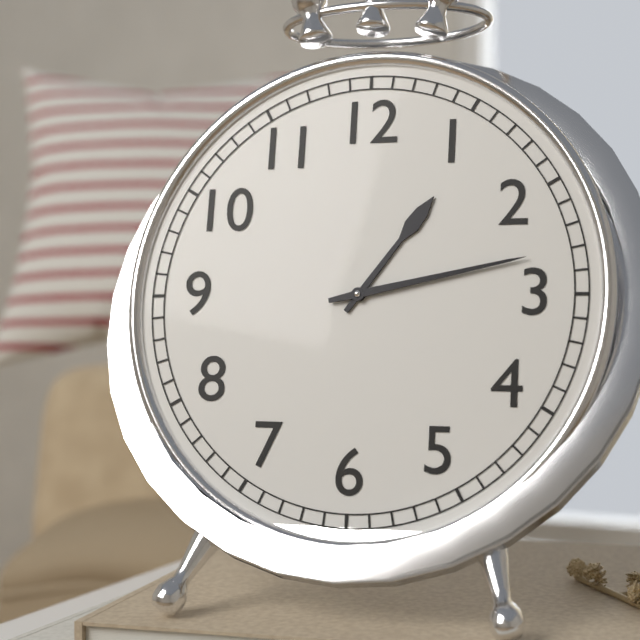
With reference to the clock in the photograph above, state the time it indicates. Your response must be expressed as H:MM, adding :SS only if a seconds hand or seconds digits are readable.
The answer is 1:13
